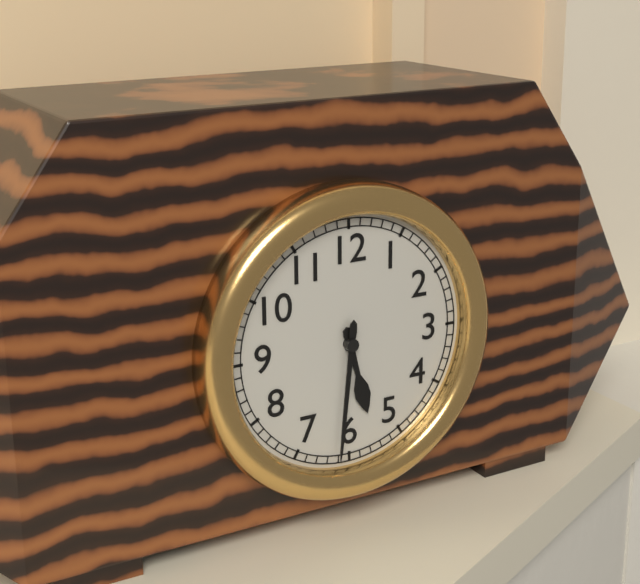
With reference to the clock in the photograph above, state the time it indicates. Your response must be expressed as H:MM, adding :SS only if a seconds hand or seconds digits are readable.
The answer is 5:31
